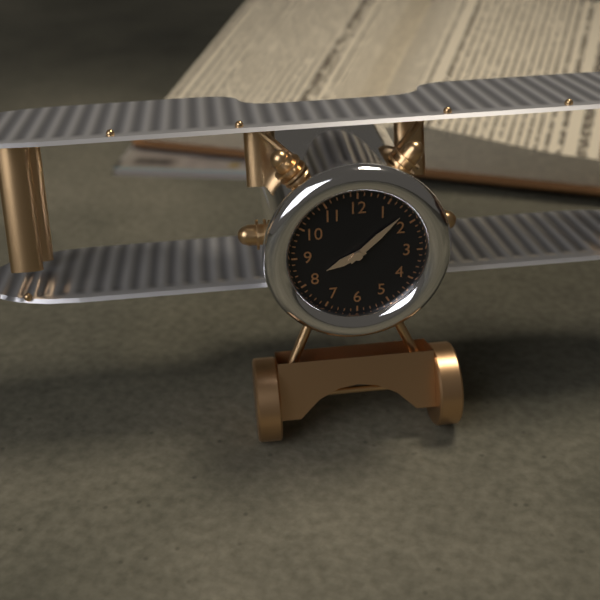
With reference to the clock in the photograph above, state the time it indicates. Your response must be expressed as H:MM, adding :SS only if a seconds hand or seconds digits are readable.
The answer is 8:08
